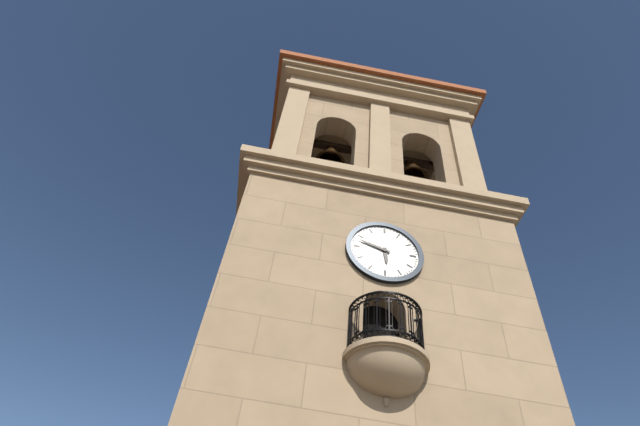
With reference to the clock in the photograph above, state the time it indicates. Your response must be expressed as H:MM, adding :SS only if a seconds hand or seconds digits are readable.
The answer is 5:48
